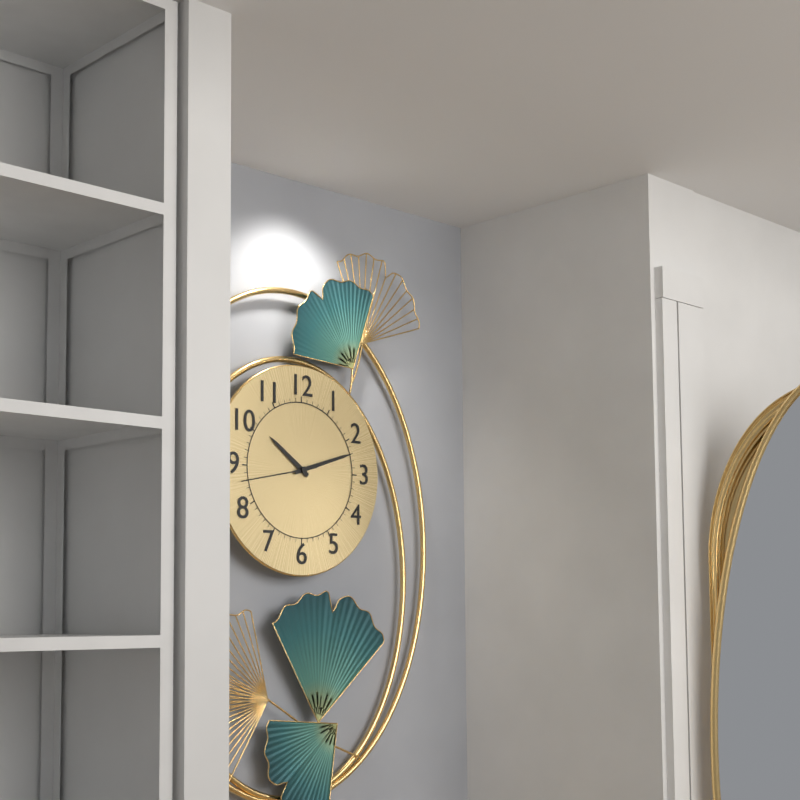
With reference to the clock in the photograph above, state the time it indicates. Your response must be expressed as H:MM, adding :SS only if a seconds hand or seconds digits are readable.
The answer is 10:12:43
